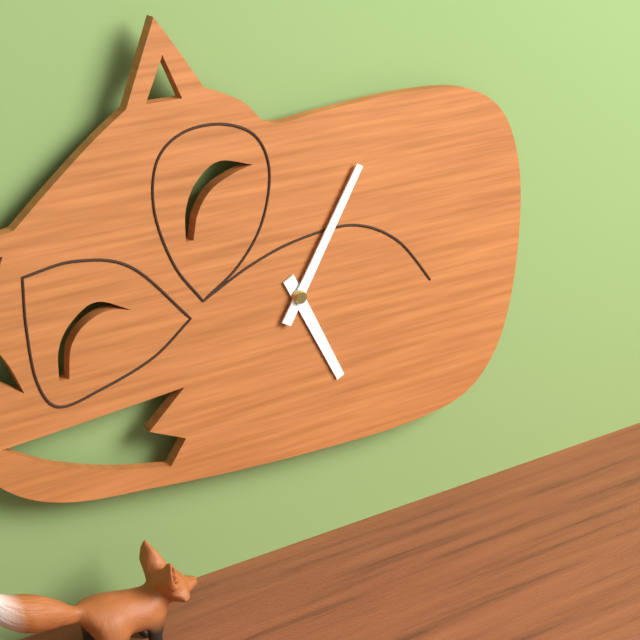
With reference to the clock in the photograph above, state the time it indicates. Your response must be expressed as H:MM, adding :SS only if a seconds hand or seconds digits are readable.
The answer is 5:05
